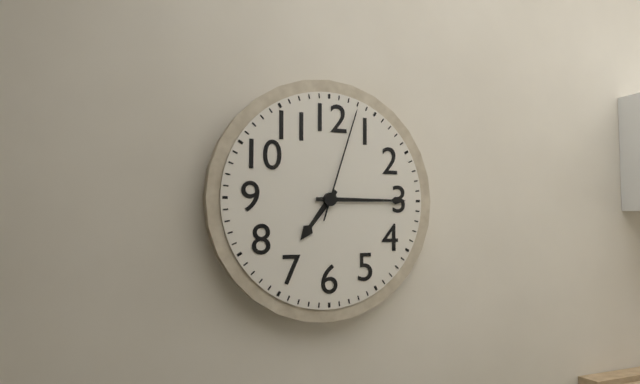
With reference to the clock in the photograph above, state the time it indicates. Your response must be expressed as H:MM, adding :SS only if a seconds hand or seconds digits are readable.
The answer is 7:15:03
